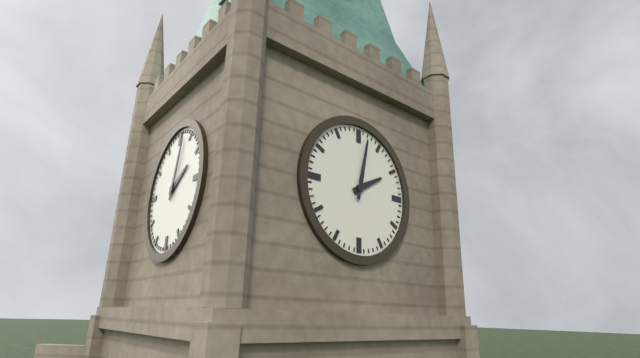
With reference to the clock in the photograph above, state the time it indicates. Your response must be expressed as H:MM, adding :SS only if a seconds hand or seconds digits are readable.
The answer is 2:02
